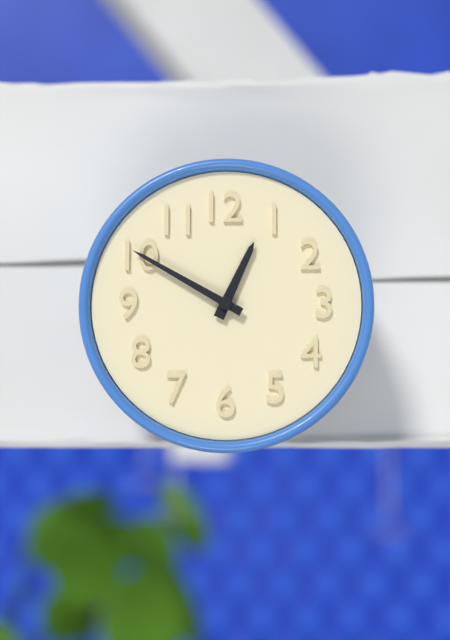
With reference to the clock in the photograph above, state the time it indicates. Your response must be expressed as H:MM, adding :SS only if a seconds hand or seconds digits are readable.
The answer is 12:50
